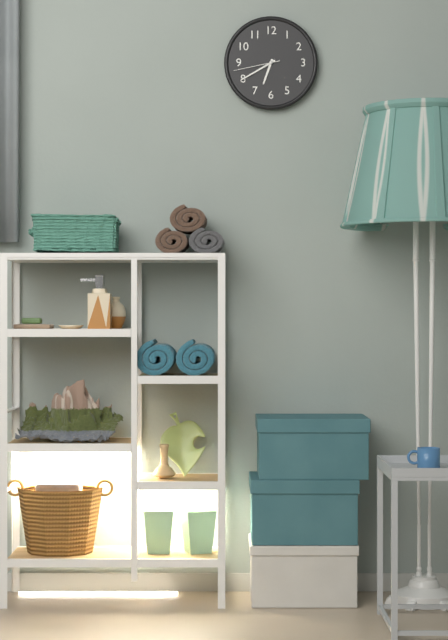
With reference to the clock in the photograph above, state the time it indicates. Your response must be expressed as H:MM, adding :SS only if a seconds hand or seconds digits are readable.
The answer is 6:40
